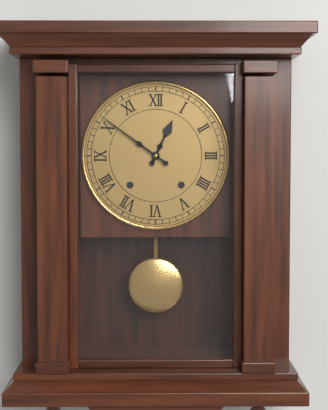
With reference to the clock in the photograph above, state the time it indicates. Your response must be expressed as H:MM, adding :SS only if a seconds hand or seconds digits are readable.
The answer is 12:51
